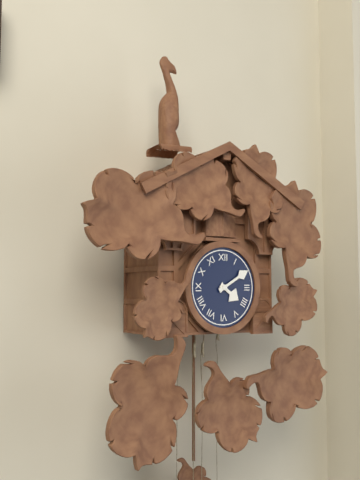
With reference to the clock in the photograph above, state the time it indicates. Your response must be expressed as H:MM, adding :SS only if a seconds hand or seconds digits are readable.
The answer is 4:10
